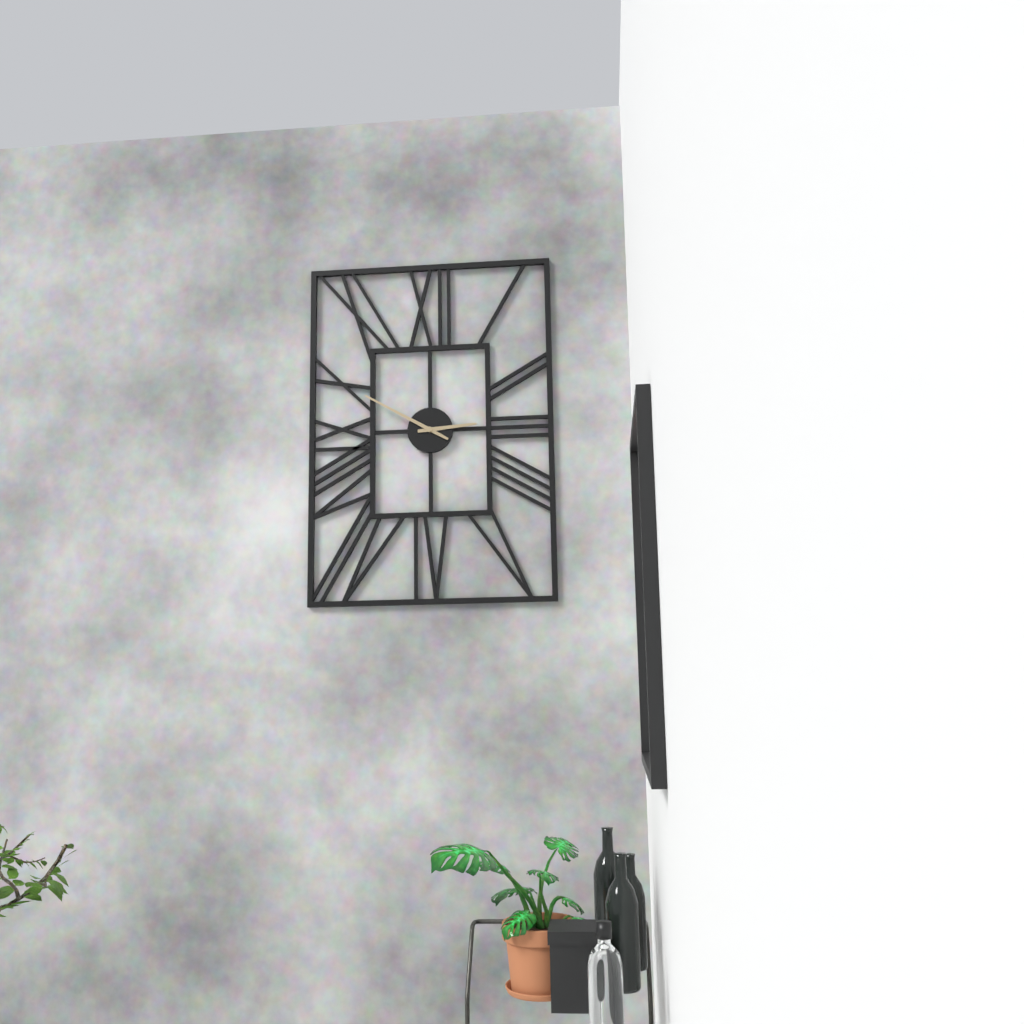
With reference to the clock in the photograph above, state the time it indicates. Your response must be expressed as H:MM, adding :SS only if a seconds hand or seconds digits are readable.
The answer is 2:50
